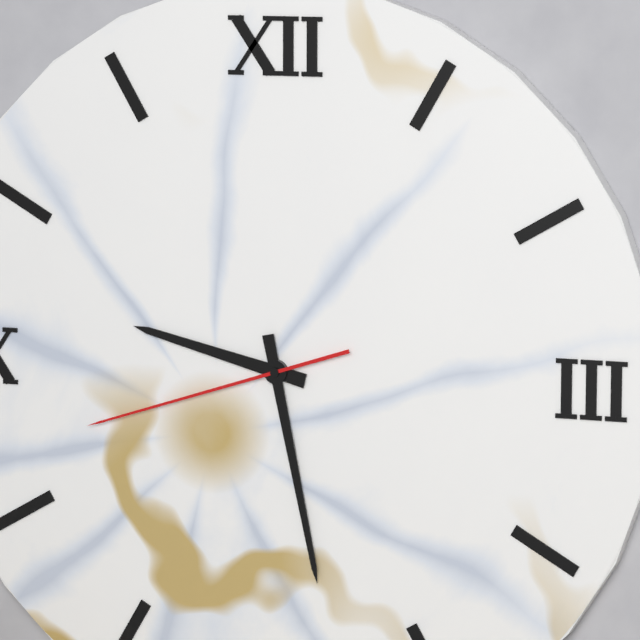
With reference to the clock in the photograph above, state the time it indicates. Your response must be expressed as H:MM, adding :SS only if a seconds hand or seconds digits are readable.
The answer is 9:28:42
